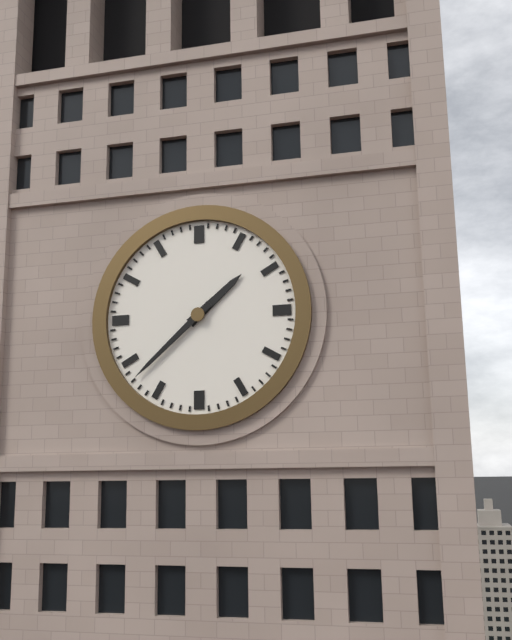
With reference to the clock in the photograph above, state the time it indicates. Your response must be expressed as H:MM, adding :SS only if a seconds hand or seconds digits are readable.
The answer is 1:38
